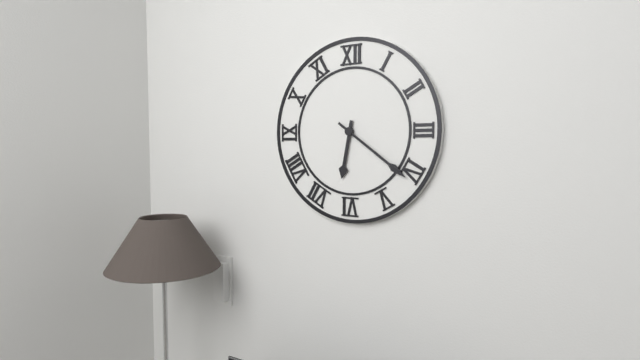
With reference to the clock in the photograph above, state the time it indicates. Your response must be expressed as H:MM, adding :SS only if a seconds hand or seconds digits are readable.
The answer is 6:21
